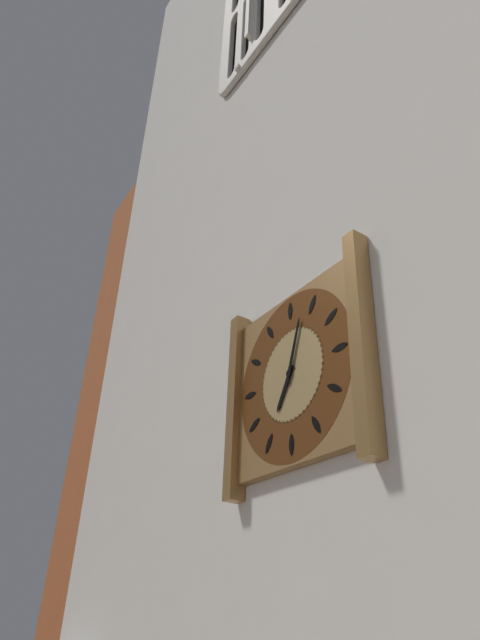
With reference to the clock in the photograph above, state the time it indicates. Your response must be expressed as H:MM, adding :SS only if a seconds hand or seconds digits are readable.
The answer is 7:03
